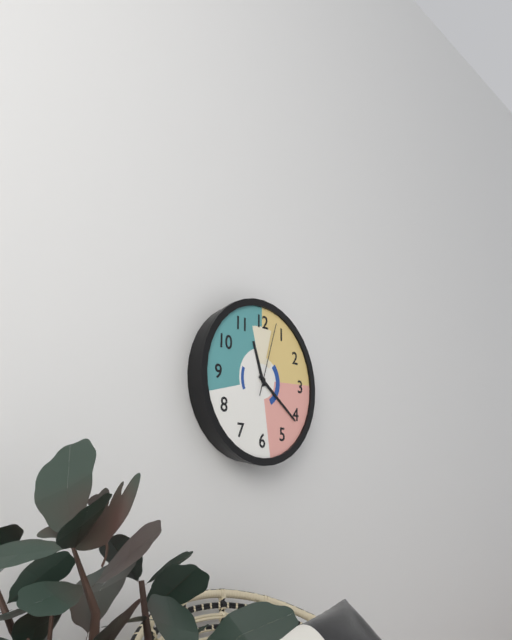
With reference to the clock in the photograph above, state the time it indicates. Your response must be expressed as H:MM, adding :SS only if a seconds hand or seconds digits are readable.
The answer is 11:21:03
